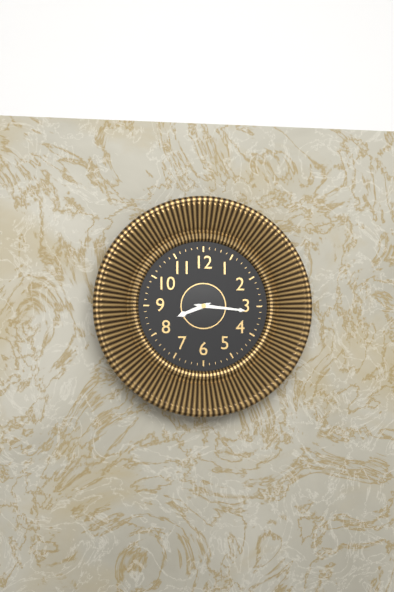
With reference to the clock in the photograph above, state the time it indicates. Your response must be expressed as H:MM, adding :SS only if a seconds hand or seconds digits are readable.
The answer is 8:16
